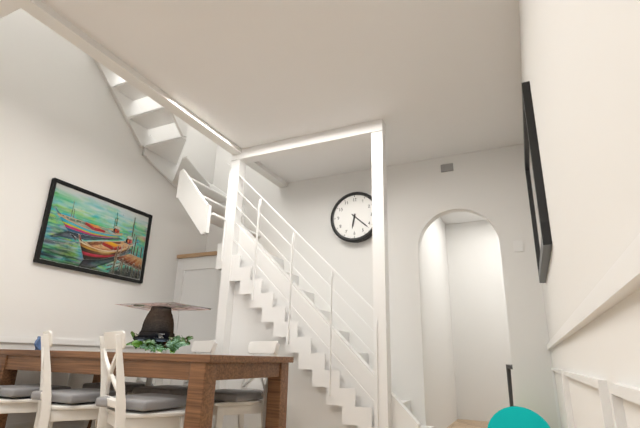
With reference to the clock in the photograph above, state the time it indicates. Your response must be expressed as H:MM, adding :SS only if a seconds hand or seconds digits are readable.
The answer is 6:22
